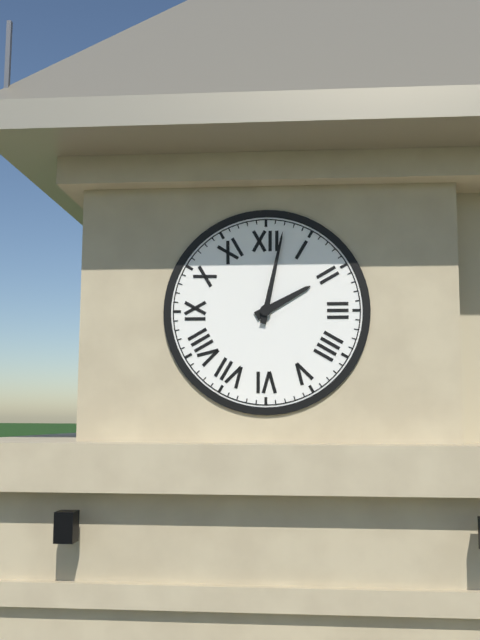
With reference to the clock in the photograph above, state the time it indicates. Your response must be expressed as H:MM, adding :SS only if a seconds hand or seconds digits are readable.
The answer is 2:02
